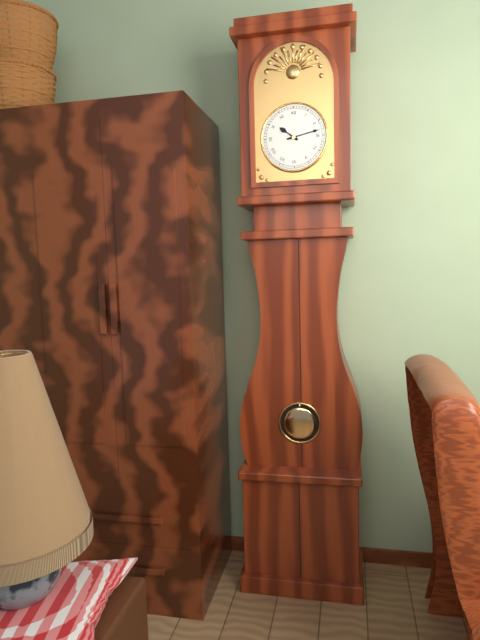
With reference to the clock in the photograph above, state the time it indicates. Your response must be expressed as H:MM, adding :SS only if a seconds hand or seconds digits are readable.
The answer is 10:13
